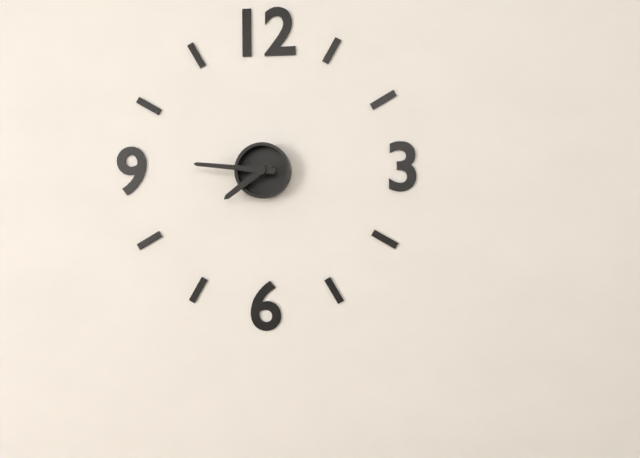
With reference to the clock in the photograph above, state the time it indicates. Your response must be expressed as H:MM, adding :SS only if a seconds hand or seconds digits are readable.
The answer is 7:46
